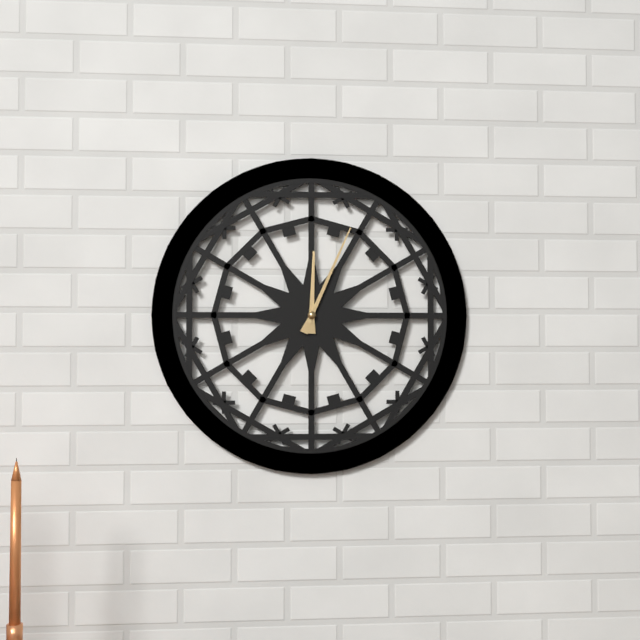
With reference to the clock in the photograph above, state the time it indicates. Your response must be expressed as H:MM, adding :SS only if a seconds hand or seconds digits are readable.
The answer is 12:04
